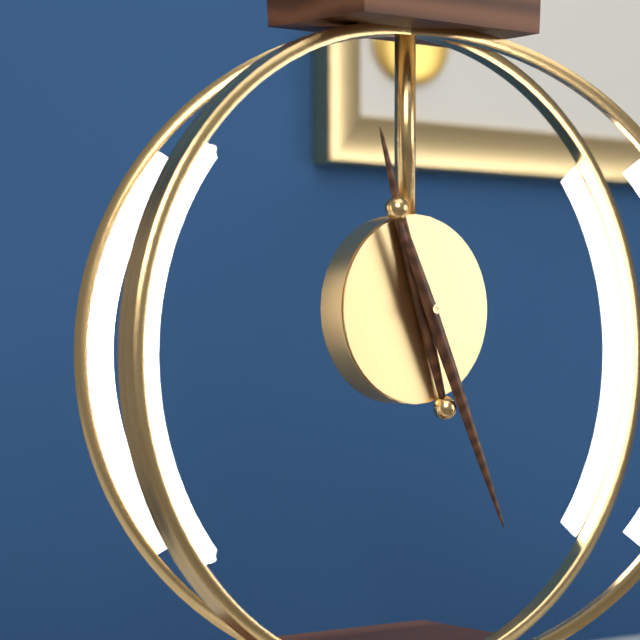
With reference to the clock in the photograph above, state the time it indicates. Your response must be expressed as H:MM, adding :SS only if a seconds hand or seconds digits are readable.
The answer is 11:26
